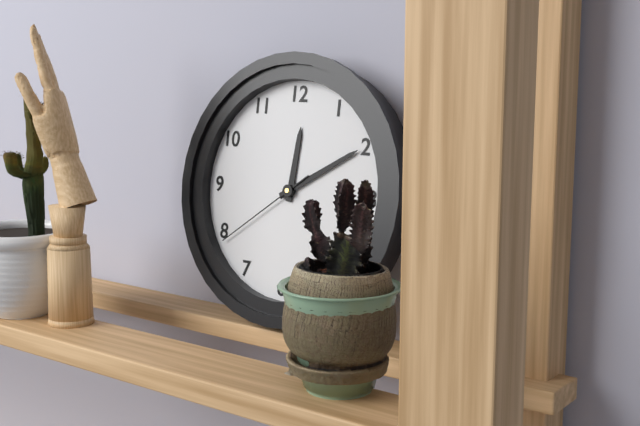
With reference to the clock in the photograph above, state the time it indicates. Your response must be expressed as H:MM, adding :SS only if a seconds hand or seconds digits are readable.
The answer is 12:10:39
